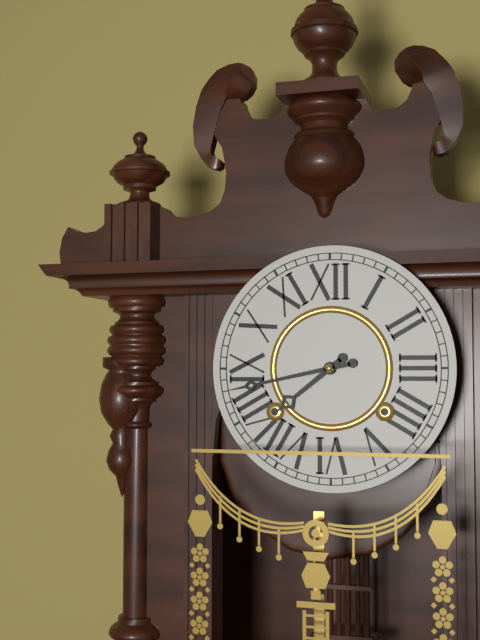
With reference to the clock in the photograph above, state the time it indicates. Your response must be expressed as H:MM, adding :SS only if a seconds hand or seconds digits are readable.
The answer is 7:43
